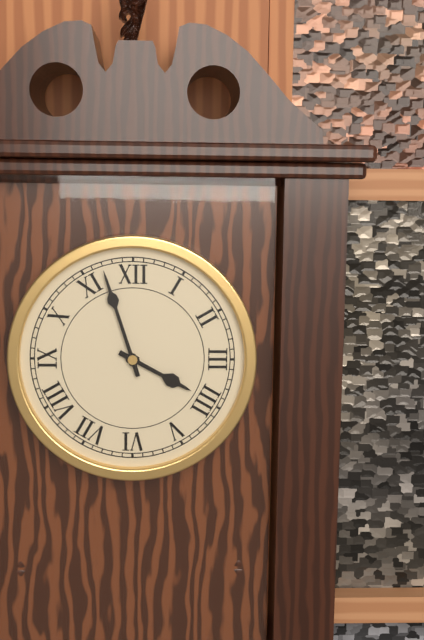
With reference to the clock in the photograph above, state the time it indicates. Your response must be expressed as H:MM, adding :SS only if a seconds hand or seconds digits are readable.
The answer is 3:57
